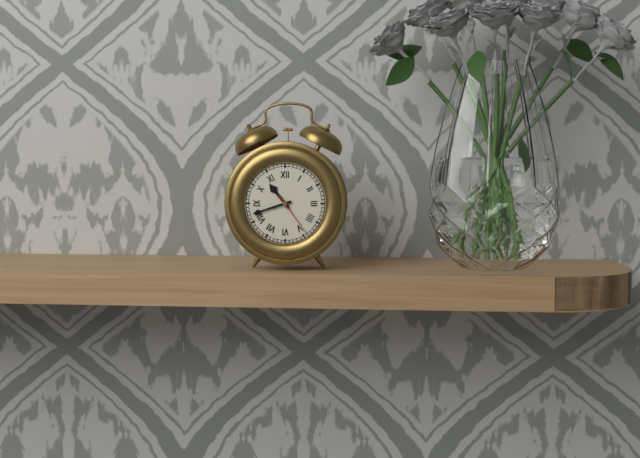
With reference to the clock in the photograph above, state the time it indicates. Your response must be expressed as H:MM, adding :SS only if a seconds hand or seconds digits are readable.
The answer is 10:42
